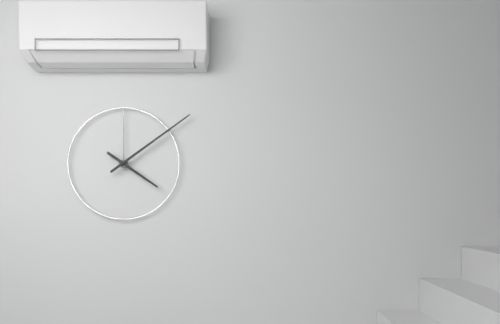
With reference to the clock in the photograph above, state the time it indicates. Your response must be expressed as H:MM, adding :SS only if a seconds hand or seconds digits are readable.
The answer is 4:09
